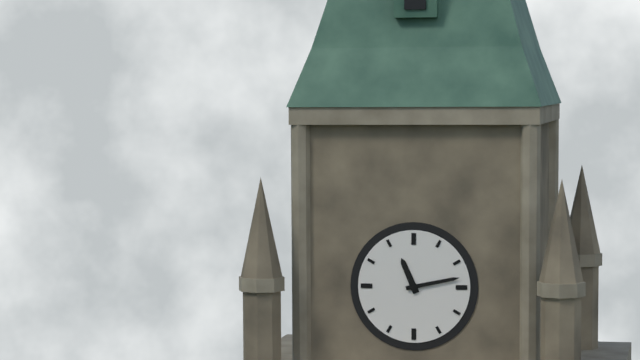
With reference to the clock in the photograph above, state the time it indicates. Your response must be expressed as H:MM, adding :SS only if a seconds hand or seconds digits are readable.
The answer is 11:13
